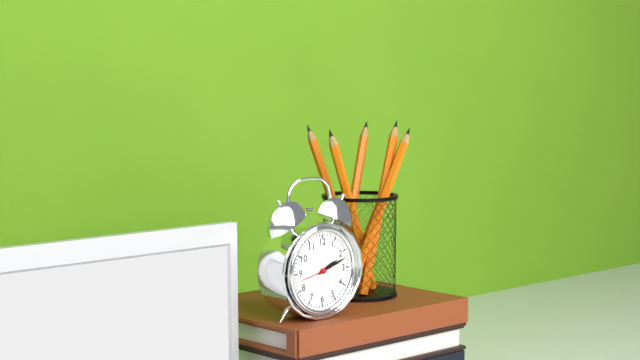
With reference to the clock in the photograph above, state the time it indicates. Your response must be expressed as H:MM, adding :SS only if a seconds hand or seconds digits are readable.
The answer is 2:12
